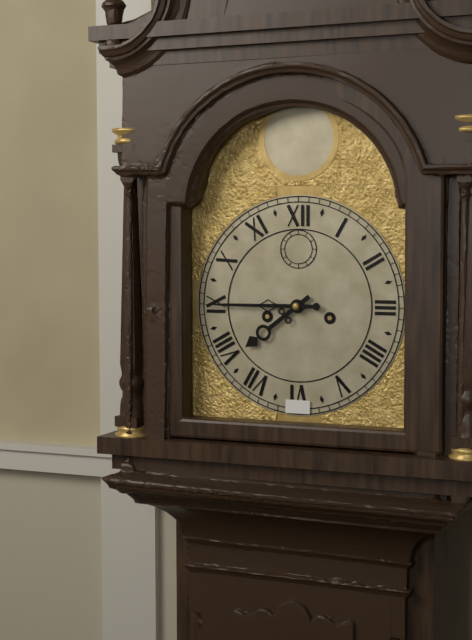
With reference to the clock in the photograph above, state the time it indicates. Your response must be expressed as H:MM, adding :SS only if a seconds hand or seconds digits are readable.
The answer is 7:45
